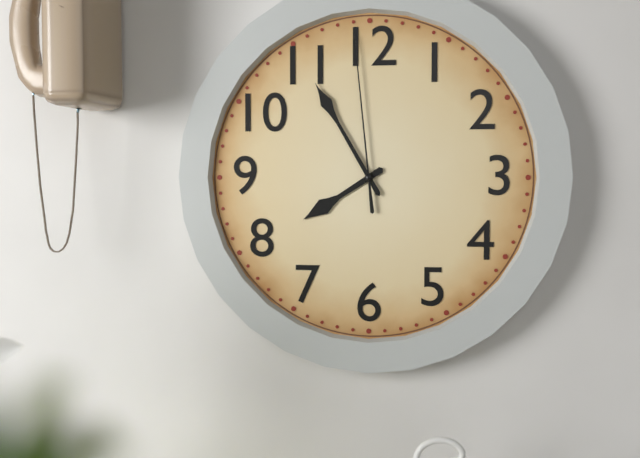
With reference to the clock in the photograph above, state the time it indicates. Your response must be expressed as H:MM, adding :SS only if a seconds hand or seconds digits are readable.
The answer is 7:55:59
